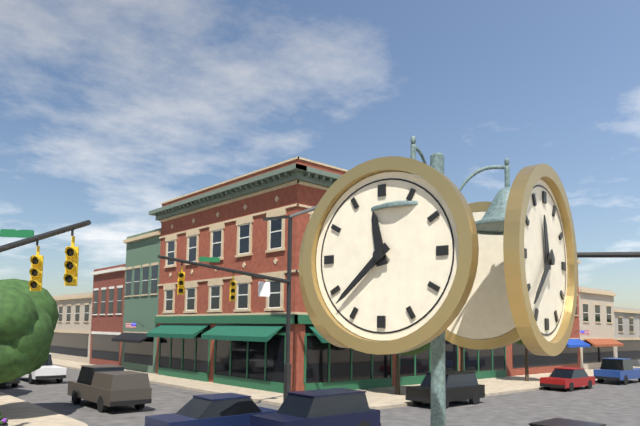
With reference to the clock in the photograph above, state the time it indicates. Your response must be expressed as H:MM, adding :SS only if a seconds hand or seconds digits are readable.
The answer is 11:38
